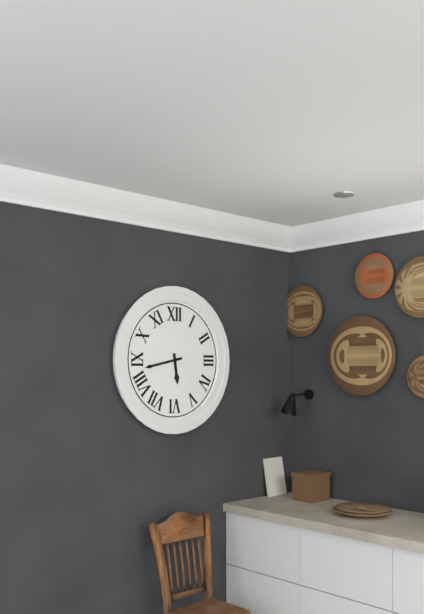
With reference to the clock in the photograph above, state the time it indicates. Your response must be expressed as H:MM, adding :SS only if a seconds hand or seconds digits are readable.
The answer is 5:43
